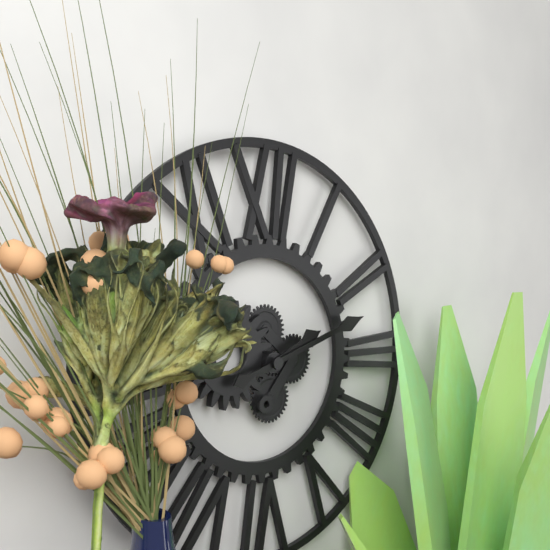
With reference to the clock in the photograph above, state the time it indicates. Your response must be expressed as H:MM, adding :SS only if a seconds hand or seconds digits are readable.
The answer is 2:12
